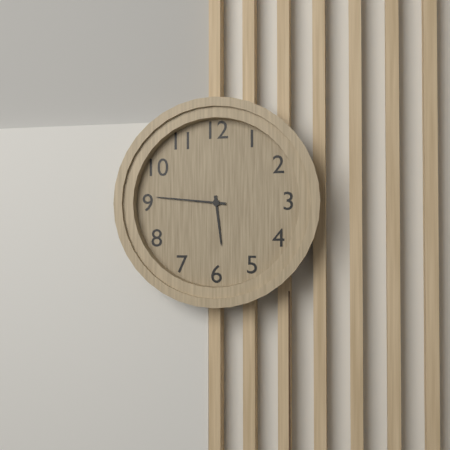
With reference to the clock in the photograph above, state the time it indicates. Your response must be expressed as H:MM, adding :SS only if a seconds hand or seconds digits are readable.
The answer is 5:46
